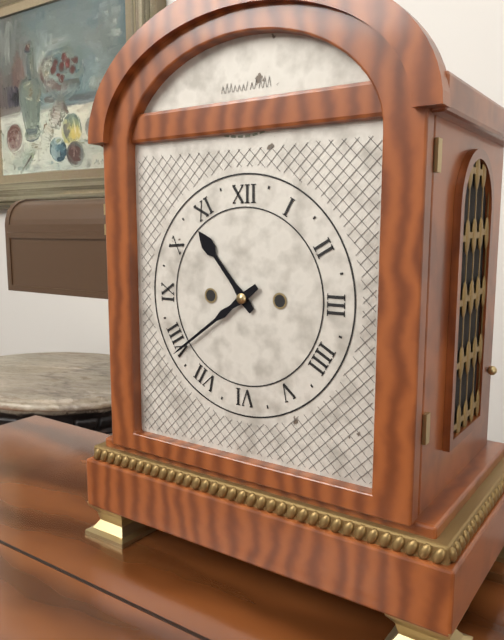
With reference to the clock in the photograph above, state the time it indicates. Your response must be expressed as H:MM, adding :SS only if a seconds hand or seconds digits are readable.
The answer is 10:39
